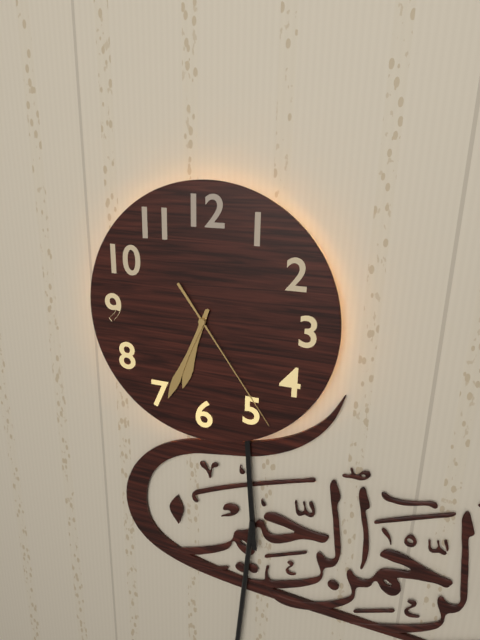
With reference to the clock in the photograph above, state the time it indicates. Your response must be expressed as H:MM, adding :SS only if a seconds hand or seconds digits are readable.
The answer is 6:34:24
